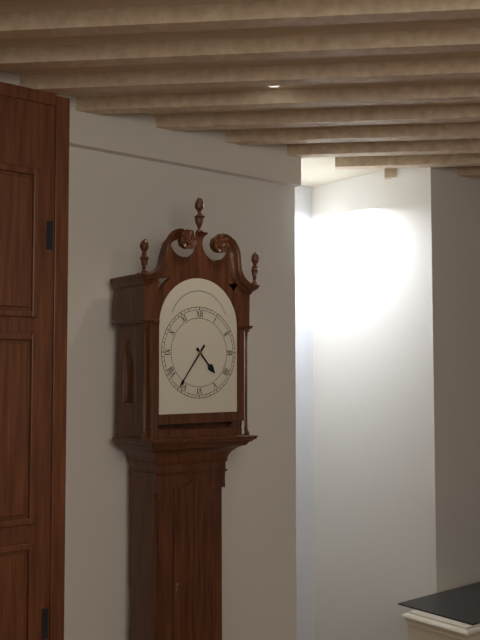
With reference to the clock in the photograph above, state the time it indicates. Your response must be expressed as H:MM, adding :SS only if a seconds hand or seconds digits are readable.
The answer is 4:36
